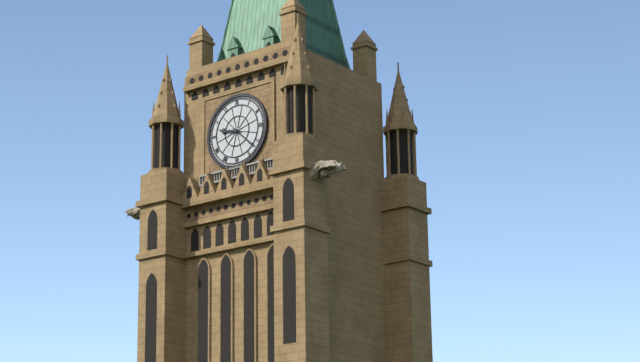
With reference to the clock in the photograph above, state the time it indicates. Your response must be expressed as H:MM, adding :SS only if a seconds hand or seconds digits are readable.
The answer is 9:22
